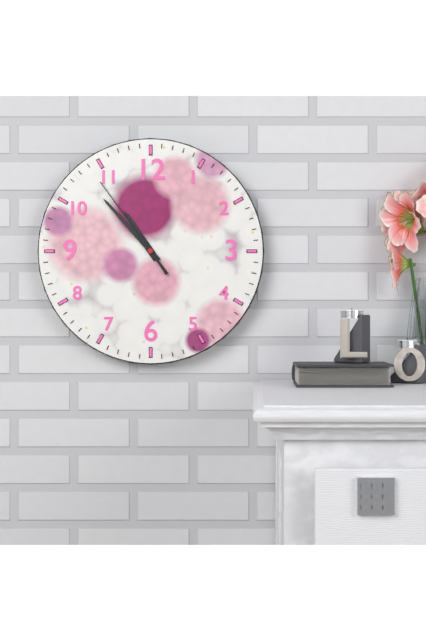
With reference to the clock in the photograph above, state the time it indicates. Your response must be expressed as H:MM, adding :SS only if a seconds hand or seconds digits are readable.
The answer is 10:53:54
